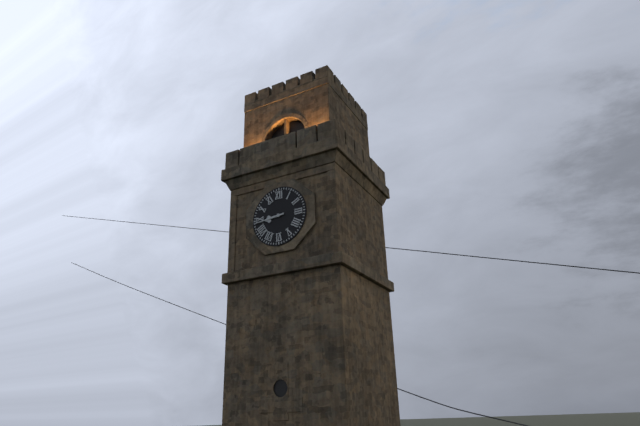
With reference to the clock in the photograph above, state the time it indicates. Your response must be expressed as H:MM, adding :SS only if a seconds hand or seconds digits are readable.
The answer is 8:44
